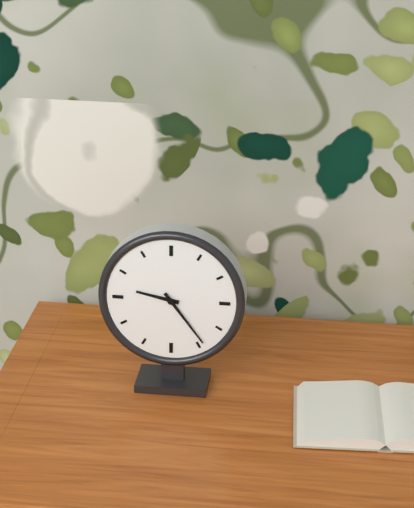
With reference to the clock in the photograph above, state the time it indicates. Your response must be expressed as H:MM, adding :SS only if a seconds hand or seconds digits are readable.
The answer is 9:24
